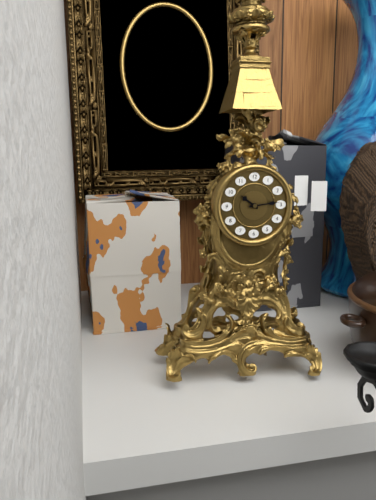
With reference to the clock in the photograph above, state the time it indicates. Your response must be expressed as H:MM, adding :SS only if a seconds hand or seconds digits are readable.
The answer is 10:14
